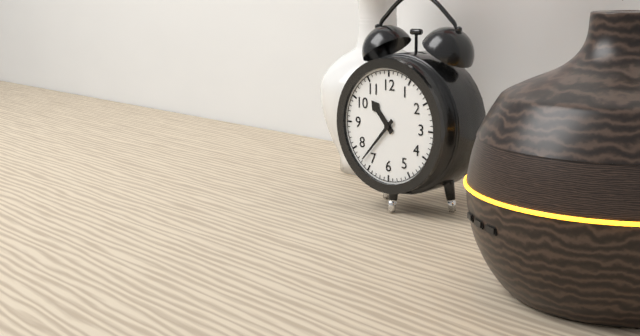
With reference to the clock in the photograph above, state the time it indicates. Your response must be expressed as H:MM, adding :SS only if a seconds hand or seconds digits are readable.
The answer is 10:37
